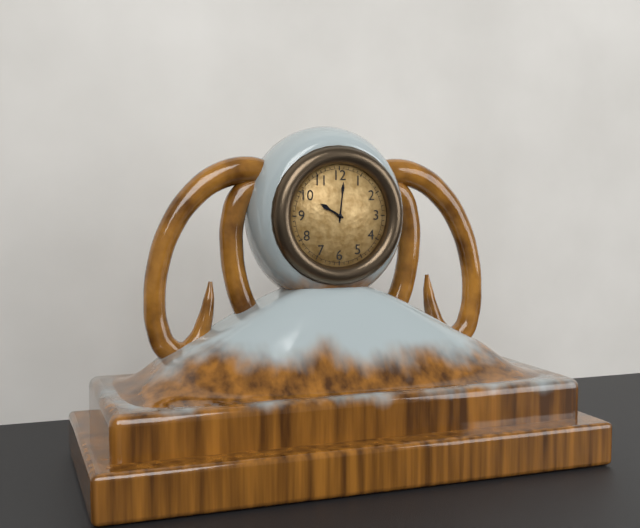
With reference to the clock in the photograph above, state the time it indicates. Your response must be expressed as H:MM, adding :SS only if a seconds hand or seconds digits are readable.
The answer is 10:01
